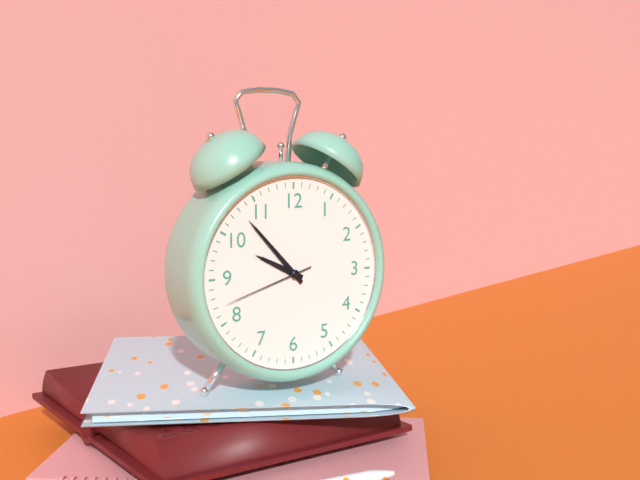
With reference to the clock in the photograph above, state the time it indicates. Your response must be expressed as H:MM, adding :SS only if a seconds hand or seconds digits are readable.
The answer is 9:53:42
